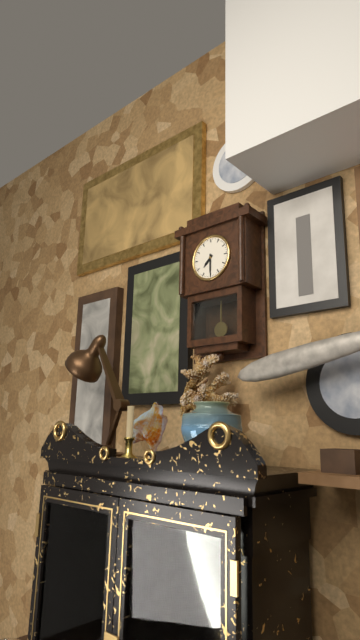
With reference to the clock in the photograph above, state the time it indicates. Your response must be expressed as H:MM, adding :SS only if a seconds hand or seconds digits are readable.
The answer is 7:30
